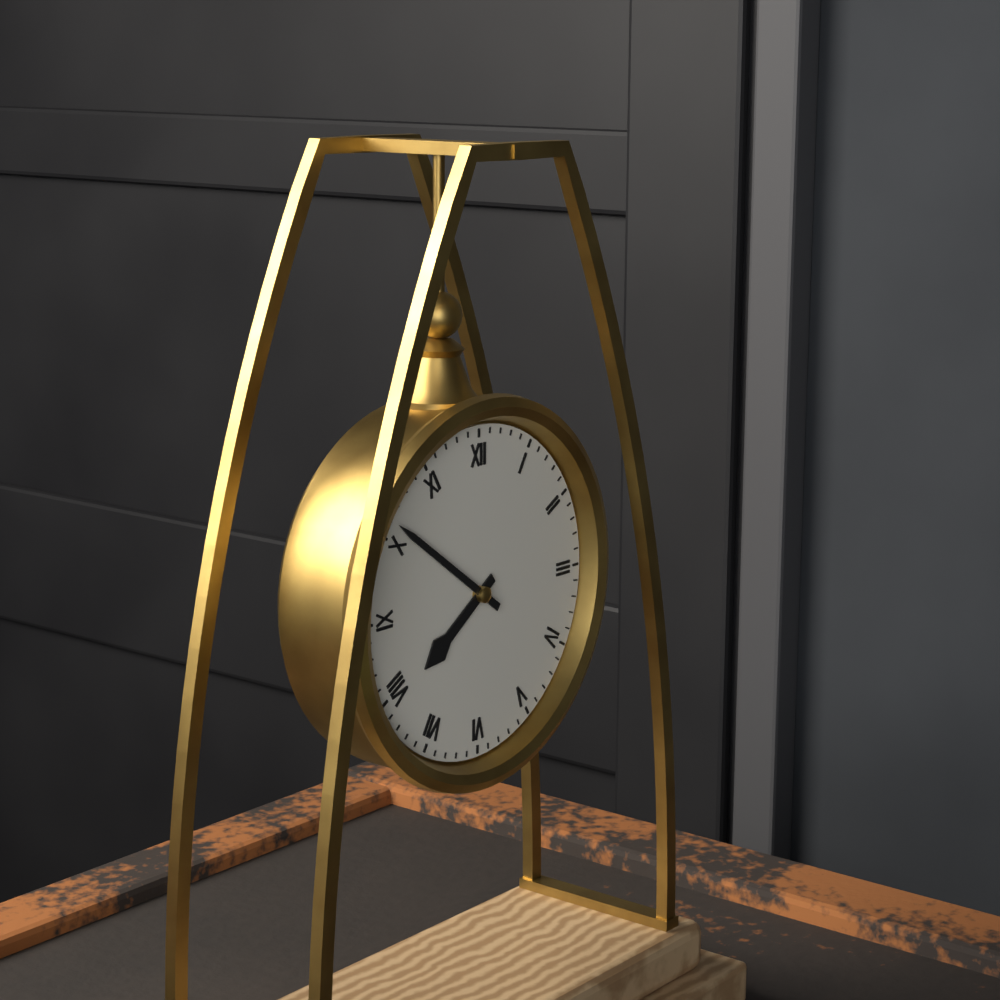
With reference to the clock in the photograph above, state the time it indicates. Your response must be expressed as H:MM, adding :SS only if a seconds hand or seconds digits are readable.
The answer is 7:51
